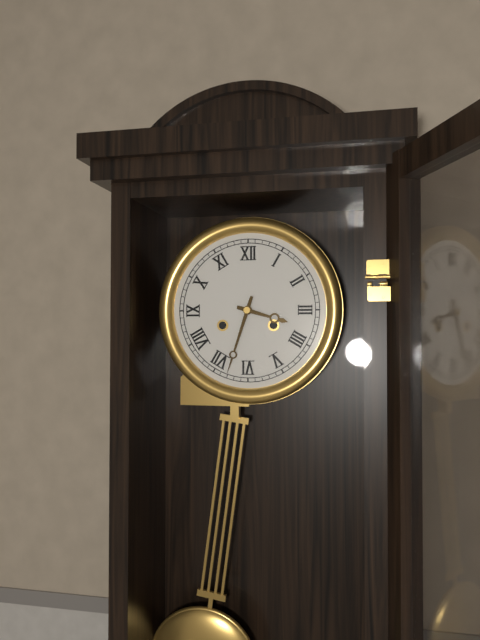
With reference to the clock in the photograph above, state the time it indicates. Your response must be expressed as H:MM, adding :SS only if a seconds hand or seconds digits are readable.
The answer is 3:33
